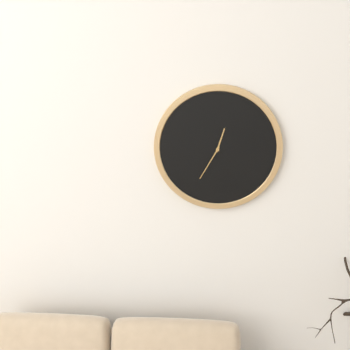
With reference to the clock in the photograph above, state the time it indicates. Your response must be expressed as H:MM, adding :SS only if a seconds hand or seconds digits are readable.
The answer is 12:35
